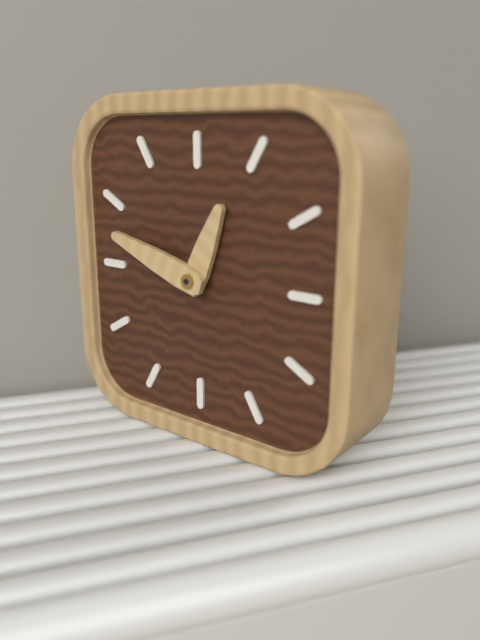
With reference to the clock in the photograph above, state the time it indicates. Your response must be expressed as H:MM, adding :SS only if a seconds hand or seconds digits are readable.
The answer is 12:48
